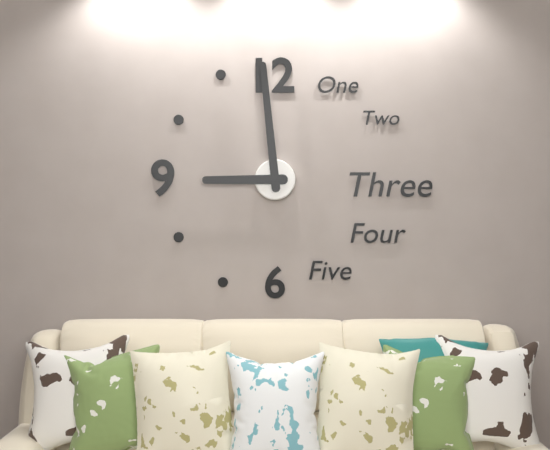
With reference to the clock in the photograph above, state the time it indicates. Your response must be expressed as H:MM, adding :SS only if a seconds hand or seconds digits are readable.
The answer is 8:59
